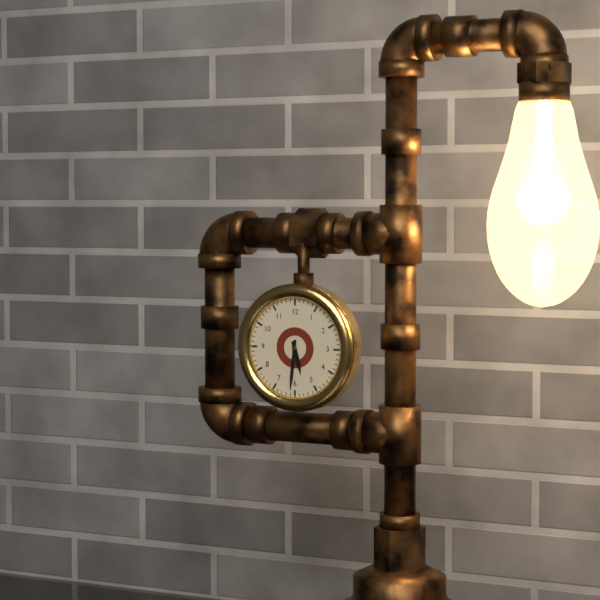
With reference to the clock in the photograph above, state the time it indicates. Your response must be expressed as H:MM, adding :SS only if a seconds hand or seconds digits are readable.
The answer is 5:31
